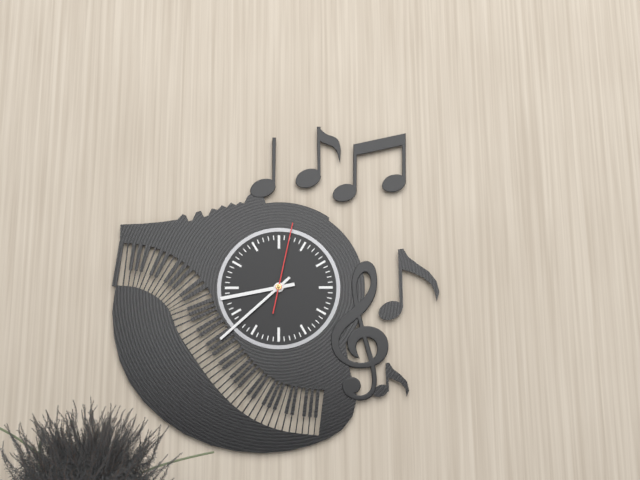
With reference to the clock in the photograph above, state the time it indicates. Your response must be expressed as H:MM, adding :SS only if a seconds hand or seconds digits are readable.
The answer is 8:38:02
